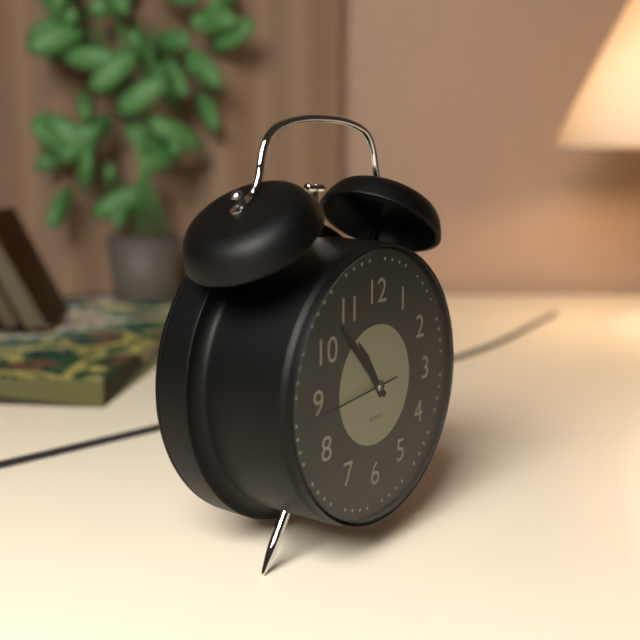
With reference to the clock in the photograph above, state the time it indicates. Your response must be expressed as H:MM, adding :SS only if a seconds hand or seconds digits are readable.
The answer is 10:53:44
